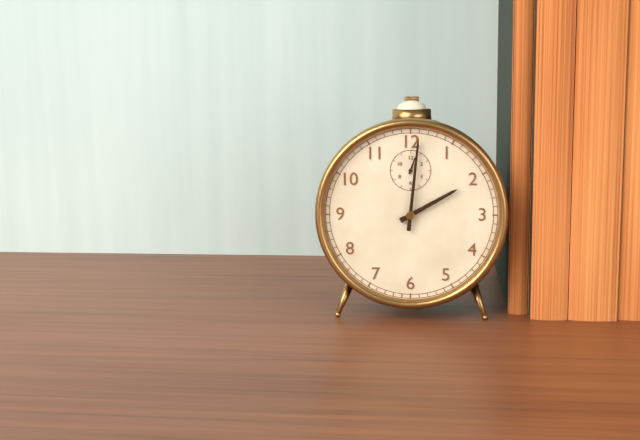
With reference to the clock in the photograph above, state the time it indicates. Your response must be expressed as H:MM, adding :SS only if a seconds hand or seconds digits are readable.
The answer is 2:01
